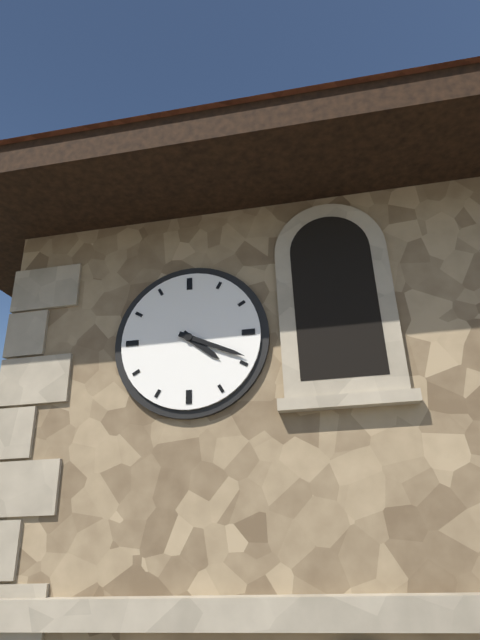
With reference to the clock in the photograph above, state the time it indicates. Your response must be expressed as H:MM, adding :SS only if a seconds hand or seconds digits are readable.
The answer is 4:19
